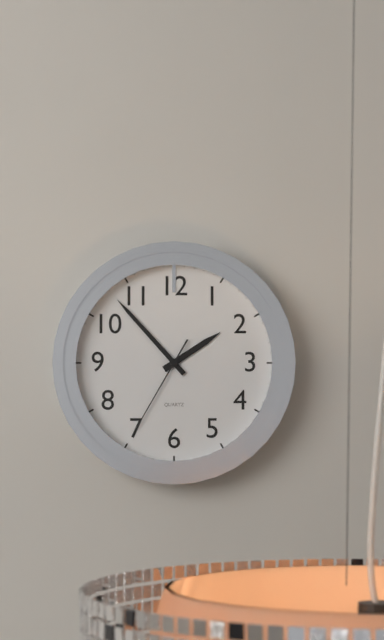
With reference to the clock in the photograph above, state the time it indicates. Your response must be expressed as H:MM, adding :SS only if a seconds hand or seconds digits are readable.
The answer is 1:53:35
